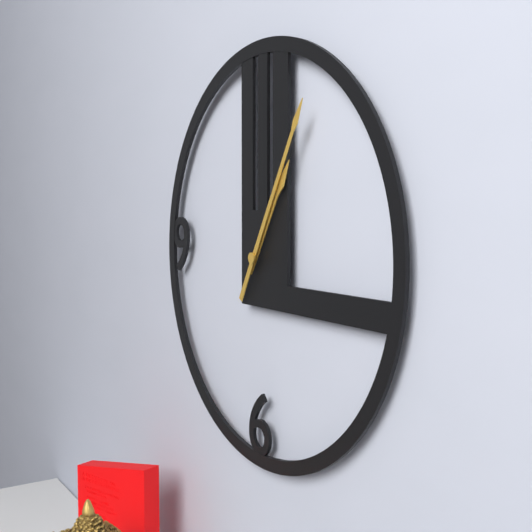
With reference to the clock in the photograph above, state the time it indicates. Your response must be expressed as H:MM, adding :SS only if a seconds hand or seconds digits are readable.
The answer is 1:05
